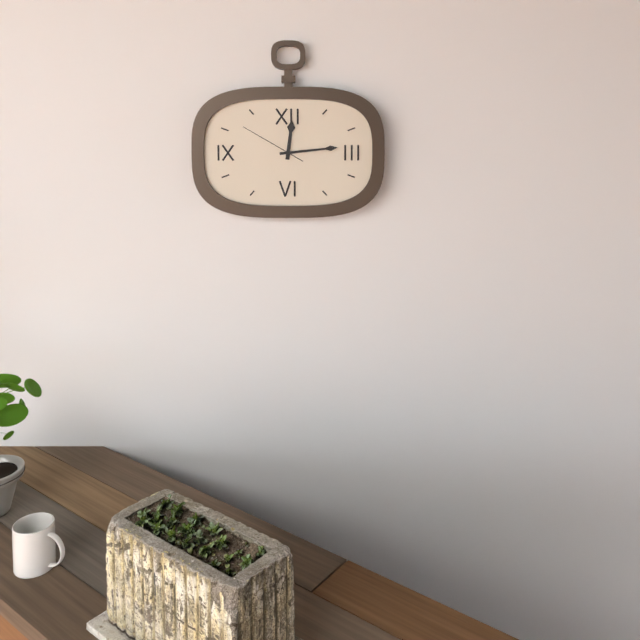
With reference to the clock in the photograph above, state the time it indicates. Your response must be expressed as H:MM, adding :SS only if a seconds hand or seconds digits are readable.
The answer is 12:14:50
